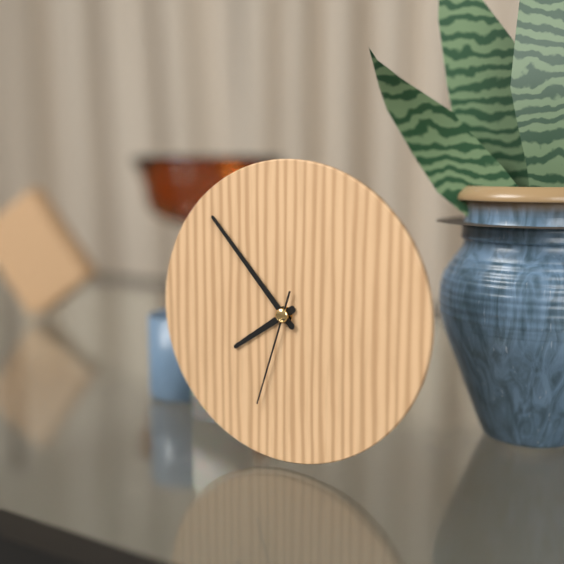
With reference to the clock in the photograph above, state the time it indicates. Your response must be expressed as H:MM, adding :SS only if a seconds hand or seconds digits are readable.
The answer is 7:53:33
